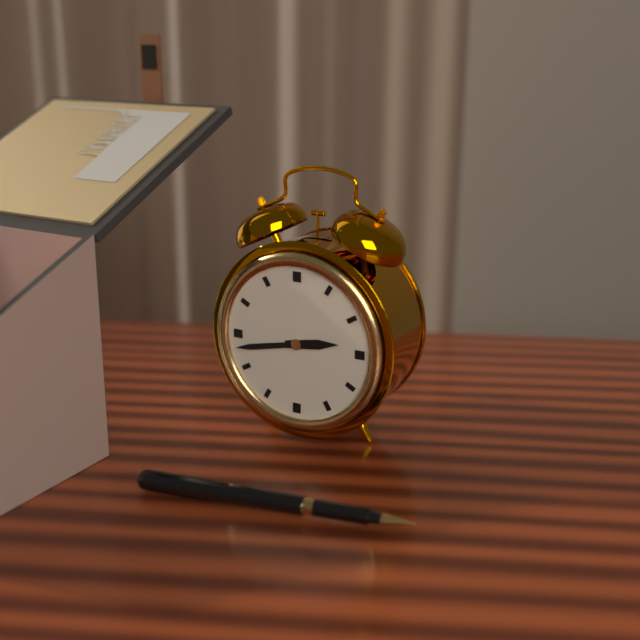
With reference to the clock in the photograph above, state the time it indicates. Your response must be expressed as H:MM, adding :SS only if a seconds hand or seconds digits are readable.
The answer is 2:43
